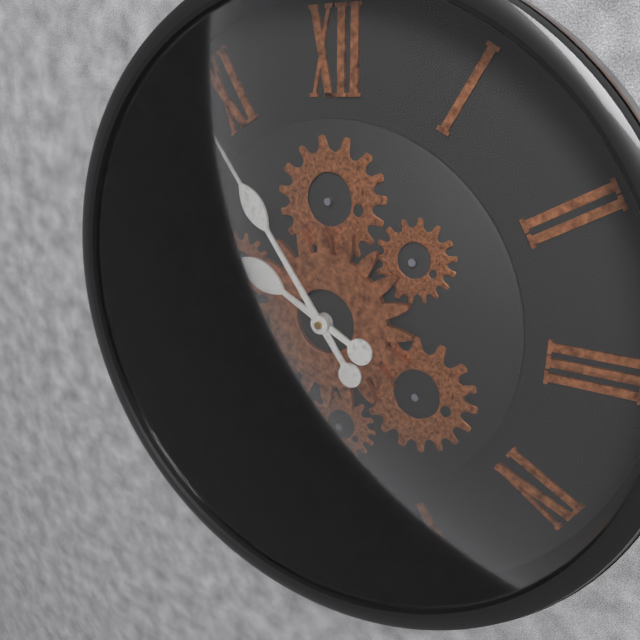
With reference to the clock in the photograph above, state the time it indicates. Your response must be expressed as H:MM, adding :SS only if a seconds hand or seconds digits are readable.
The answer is 9:54
